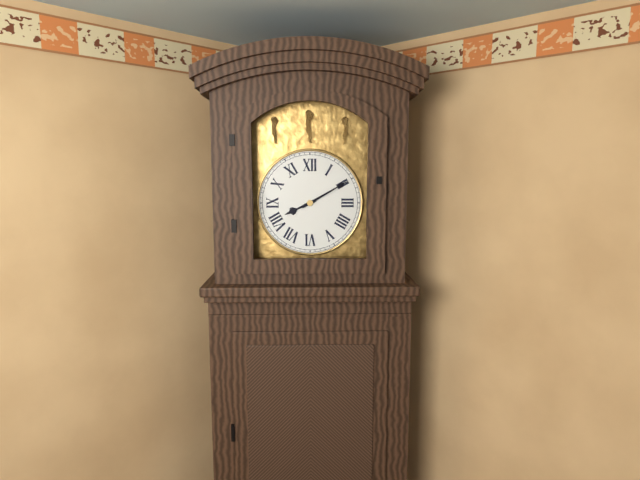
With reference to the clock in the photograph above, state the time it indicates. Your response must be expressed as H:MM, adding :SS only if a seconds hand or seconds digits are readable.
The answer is 8:10
